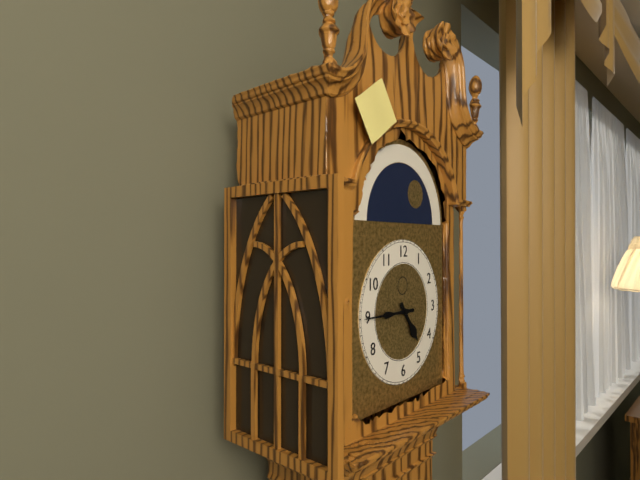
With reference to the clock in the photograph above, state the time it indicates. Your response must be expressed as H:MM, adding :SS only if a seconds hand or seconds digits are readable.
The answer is 4:45
